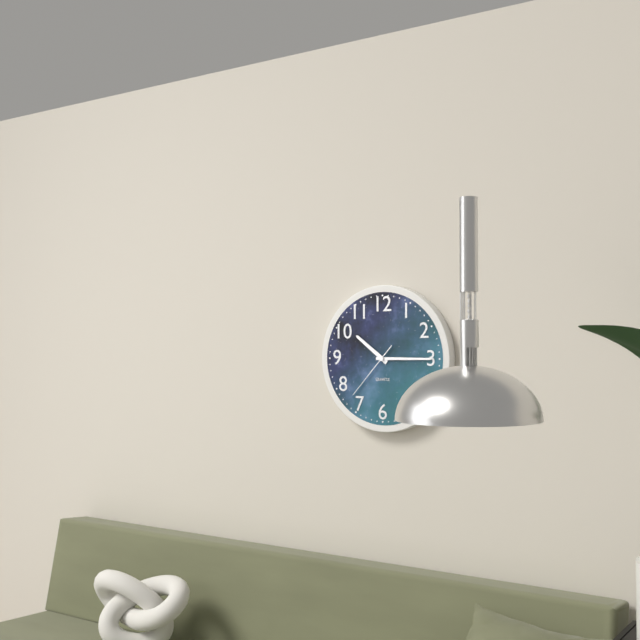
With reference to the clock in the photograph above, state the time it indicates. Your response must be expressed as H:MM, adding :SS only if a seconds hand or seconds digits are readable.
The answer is 10:15:37
